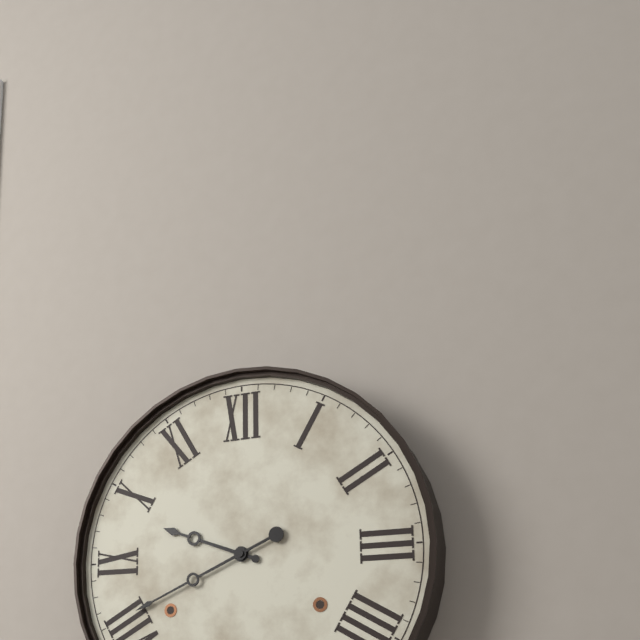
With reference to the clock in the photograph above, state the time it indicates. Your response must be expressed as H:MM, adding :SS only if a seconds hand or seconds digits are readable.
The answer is 9:41
